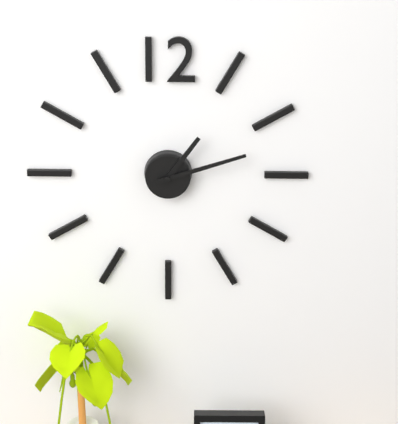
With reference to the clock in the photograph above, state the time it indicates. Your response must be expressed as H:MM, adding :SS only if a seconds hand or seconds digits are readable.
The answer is 1:12
